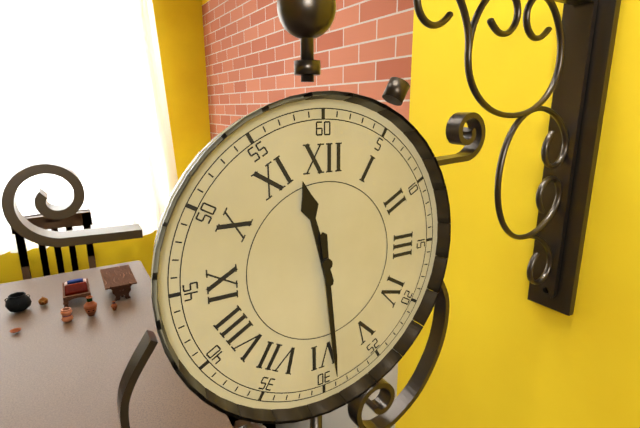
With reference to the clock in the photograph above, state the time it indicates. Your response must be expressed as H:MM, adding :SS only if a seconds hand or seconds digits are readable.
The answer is 11:29
